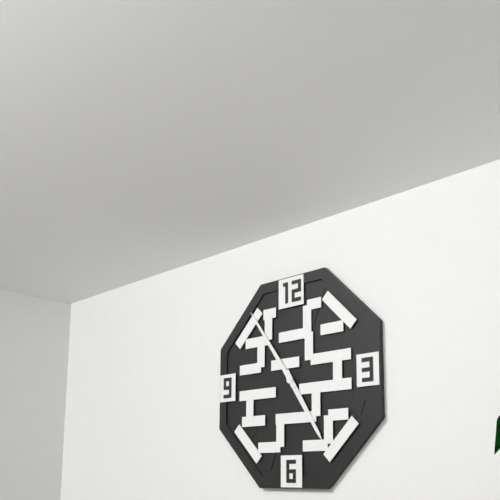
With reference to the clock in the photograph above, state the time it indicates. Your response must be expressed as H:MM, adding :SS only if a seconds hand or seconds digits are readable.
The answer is 4:54
